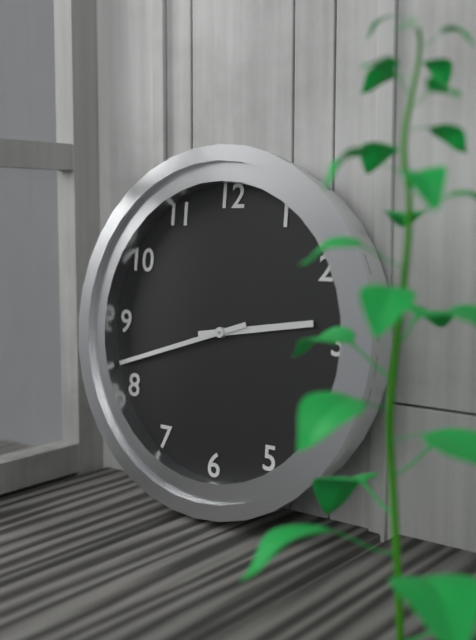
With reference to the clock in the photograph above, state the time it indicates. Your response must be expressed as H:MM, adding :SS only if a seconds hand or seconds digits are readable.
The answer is 2:42
